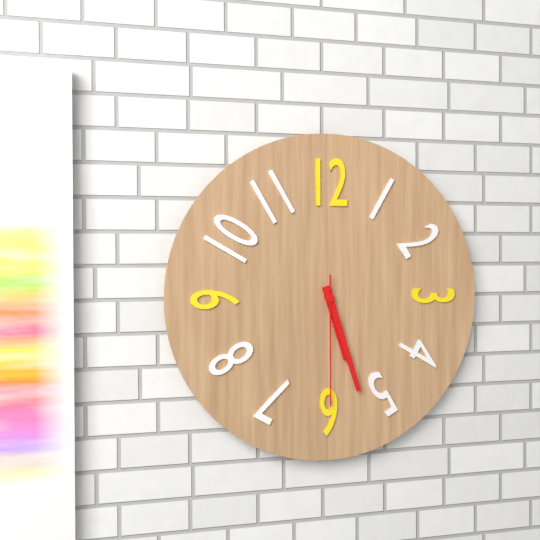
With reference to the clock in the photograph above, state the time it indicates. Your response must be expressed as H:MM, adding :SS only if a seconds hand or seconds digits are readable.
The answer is 5:27:30
